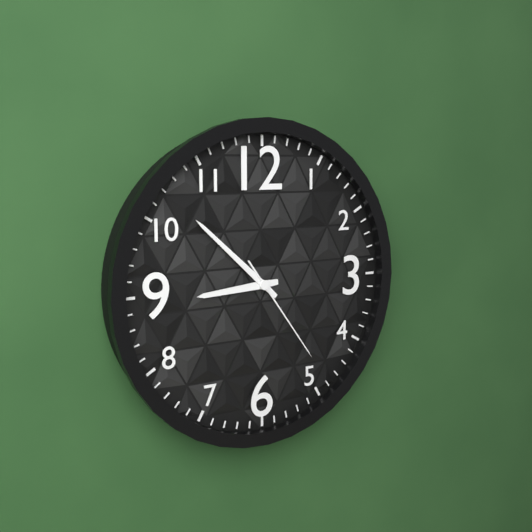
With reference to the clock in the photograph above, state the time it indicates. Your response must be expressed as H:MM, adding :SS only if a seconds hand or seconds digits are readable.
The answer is 8:52:24
